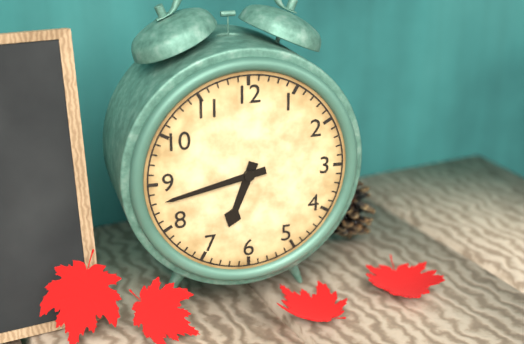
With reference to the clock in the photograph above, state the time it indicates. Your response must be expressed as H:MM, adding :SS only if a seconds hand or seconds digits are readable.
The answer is 6:43
